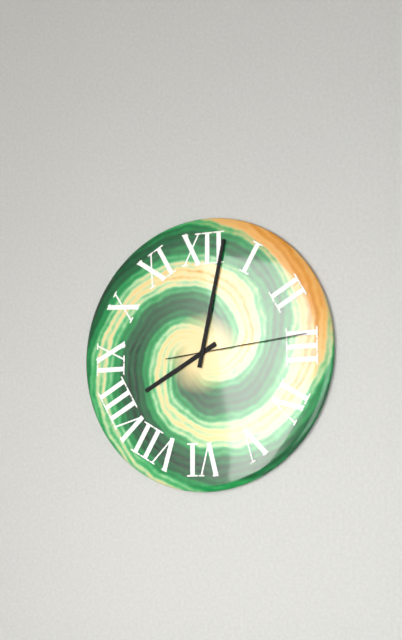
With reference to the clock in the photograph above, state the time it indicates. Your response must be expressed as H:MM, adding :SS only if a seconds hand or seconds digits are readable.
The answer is 8:02:14
